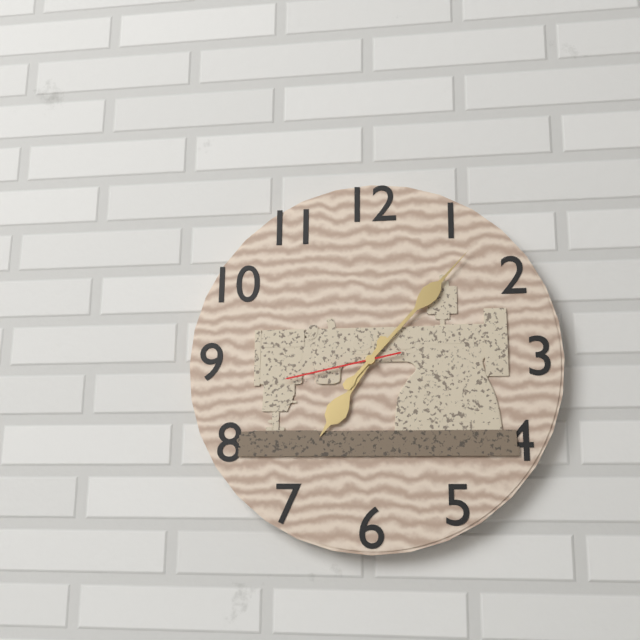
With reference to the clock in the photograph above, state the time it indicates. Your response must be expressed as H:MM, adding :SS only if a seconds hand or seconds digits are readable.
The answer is 7:07:43
